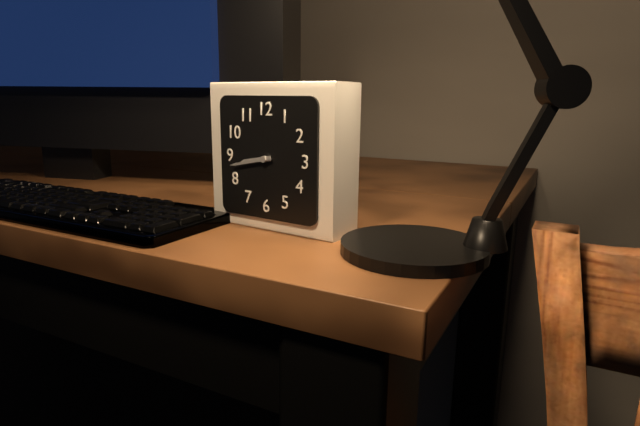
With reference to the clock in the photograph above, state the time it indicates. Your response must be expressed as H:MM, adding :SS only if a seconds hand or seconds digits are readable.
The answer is 8:43
